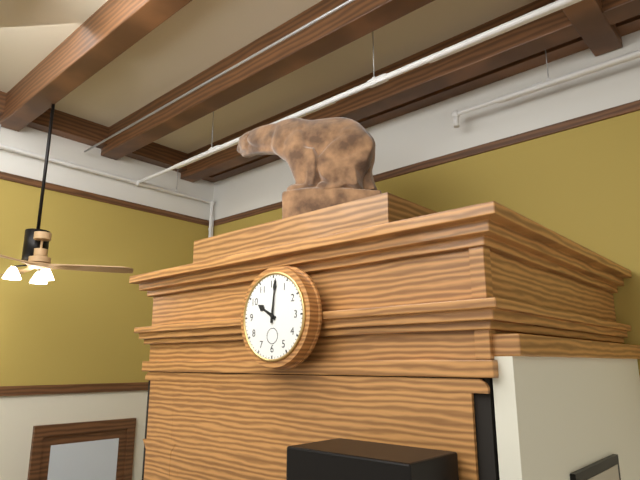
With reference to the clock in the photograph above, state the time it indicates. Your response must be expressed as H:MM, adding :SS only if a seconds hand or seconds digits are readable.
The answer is 10:01
